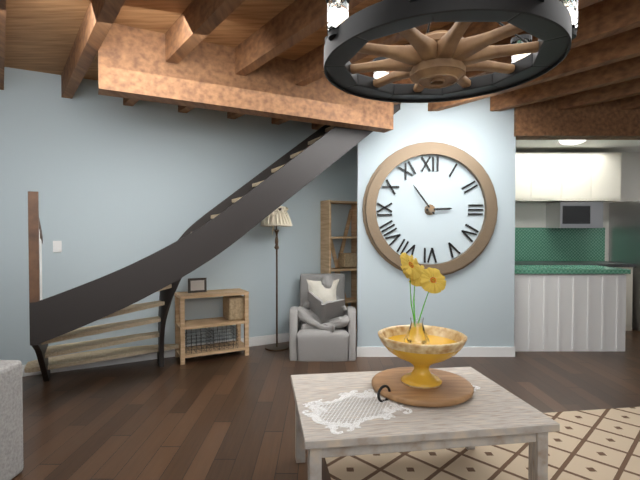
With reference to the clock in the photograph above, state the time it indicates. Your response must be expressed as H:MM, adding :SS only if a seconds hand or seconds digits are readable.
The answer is 2:54
